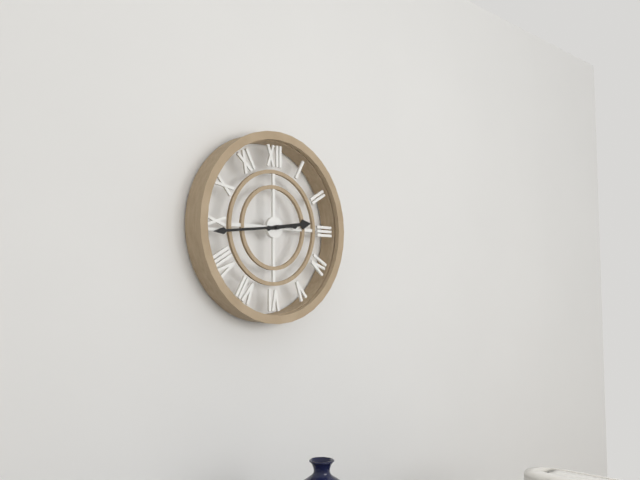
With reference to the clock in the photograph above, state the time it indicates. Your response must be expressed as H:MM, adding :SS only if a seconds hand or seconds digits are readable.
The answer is 2:44
